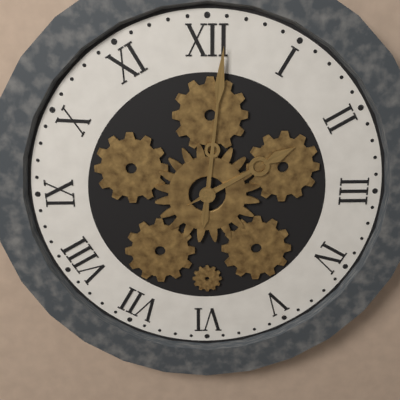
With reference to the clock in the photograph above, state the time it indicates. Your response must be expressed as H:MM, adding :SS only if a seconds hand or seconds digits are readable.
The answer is 2:01
